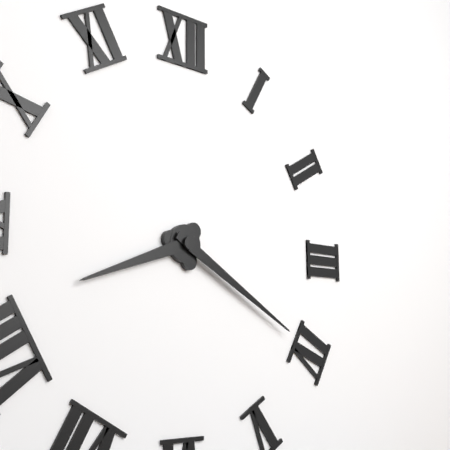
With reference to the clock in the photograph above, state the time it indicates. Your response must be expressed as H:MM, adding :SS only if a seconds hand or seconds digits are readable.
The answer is 8:20
